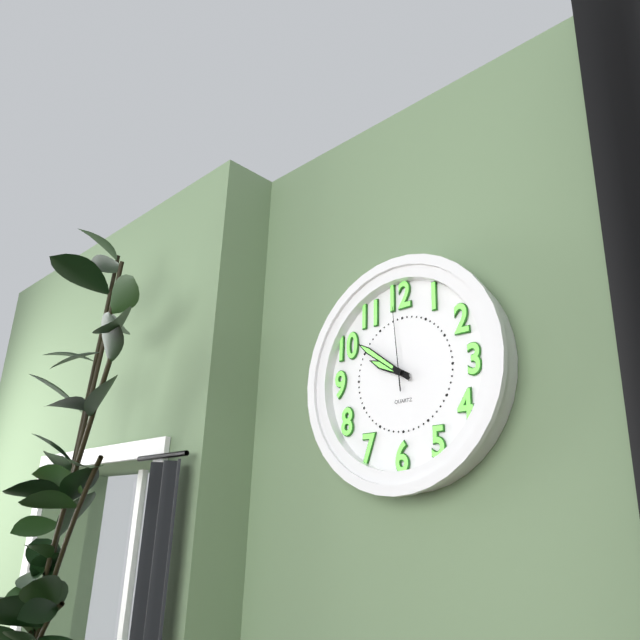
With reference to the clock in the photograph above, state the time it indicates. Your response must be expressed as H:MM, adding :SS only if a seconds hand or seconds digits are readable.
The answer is 9:51:59
